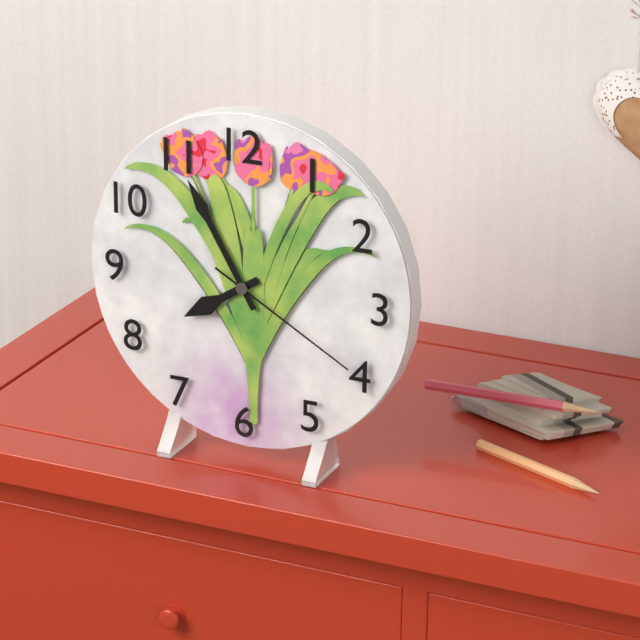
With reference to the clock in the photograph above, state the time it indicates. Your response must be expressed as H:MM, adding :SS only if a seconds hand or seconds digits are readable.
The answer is 7:55:20
